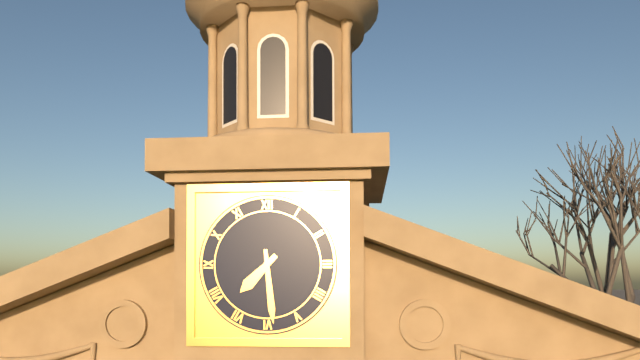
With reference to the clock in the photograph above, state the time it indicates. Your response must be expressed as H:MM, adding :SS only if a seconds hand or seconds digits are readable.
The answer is 7:29
